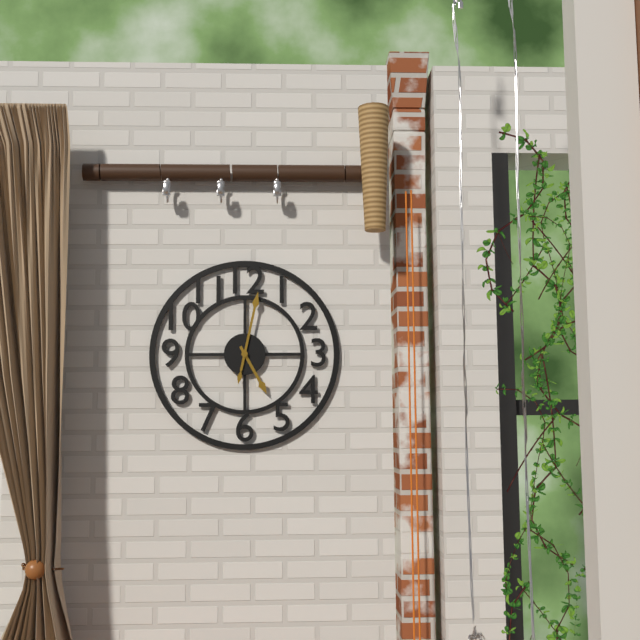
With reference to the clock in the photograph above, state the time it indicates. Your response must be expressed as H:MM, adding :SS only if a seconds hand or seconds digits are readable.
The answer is 5:02
